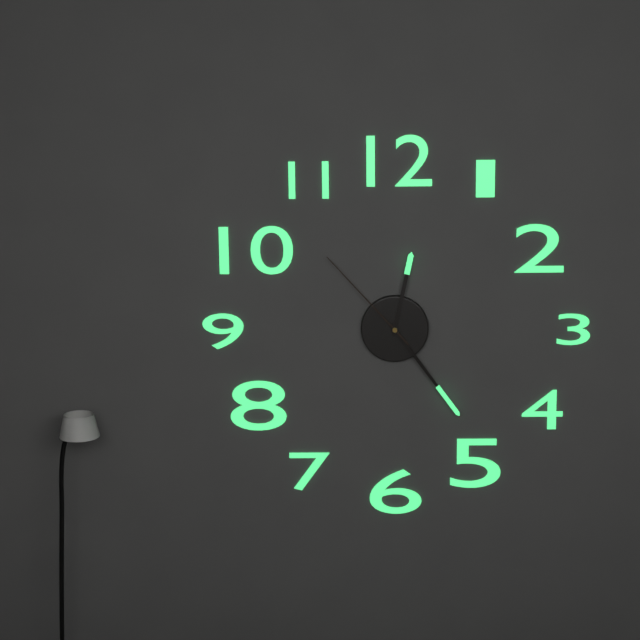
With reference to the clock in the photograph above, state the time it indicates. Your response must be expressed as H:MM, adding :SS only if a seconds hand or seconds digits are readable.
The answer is 12:24:53
